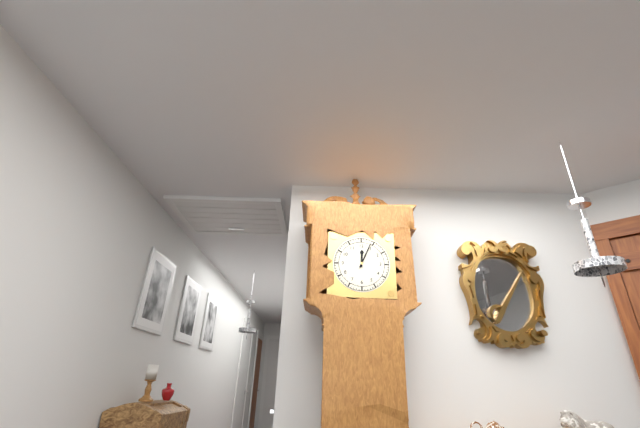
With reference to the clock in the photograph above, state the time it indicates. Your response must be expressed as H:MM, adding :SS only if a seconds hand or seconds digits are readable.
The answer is 12:04
